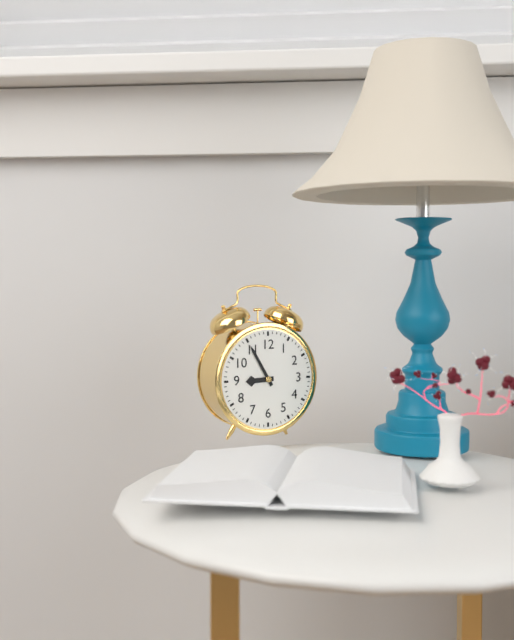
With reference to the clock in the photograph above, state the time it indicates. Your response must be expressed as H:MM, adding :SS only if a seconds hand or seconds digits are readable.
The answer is 8:55
